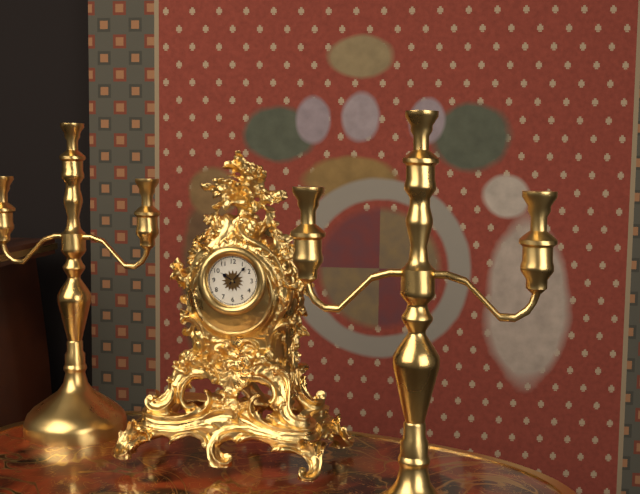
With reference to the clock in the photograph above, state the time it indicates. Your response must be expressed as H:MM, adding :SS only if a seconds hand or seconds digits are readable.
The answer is 10:07
